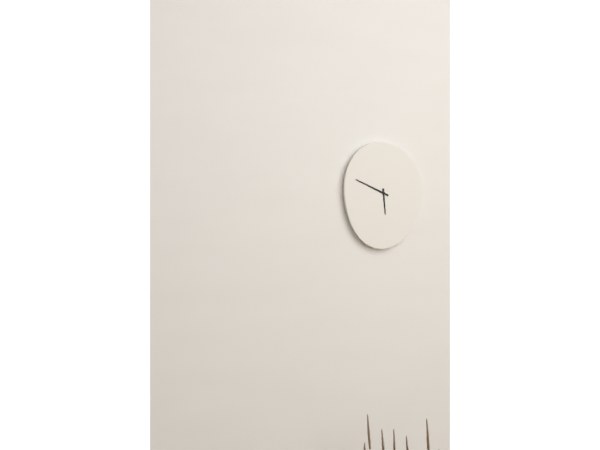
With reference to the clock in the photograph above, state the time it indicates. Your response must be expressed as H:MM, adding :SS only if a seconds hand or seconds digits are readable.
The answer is 5:49
